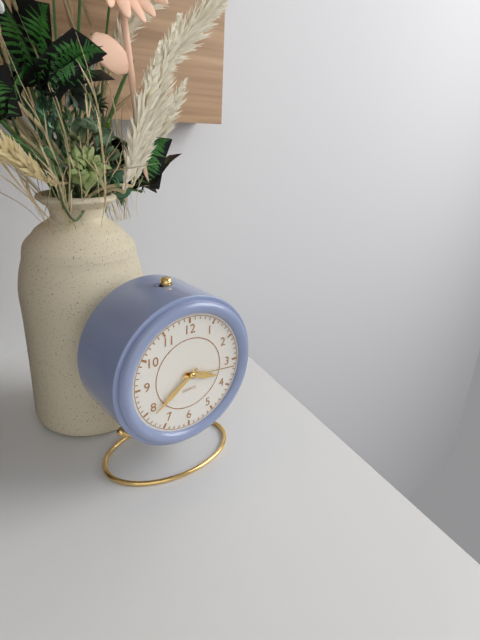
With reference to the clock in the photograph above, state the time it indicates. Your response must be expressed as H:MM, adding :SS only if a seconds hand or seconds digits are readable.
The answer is 3:39:16
